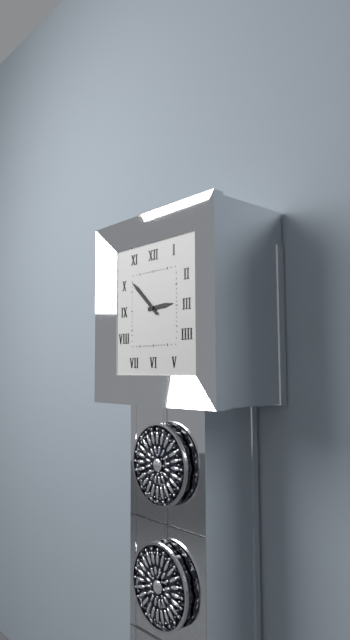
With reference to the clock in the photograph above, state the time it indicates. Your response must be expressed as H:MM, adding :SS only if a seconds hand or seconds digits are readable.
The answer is 2:52
